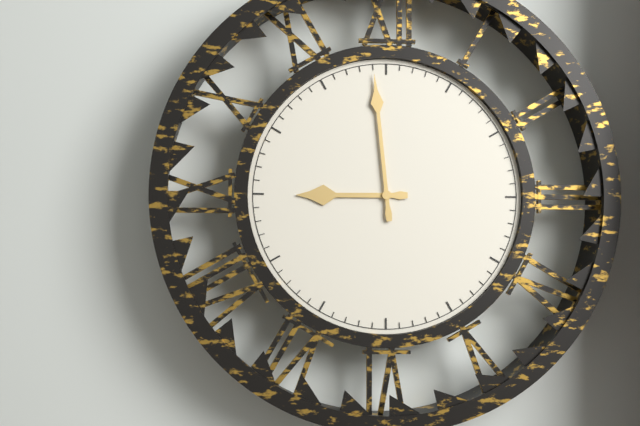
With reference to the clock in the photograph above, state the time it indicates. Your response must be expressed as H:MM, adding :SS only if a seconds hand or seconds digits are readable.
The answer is 8:59
